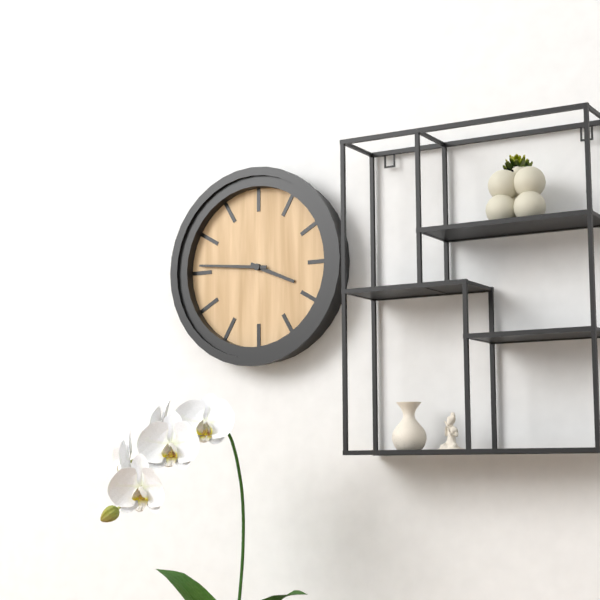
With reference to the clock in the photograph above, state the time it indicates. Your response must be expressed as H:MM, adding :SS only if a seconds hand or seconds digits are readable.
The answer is 3:46
